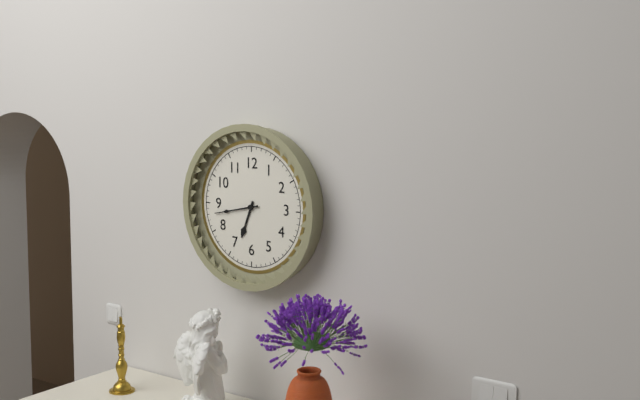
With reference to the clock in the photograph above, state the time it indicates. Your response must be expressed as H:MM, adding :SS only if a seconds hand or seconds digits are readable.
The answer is 6:43
